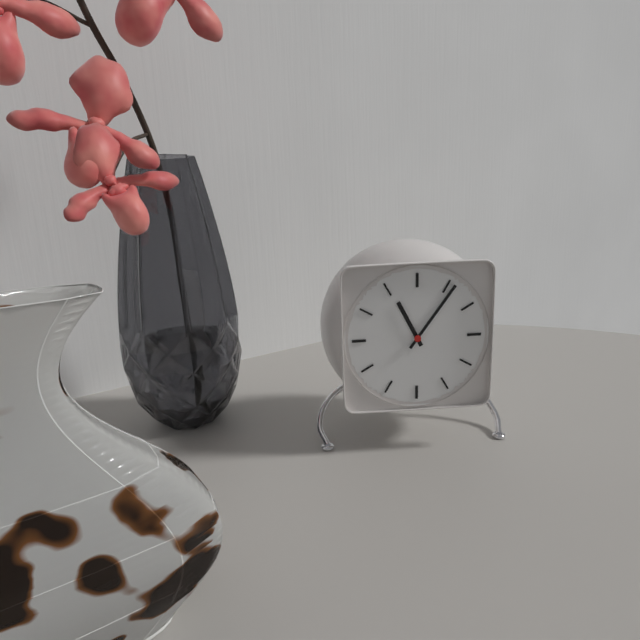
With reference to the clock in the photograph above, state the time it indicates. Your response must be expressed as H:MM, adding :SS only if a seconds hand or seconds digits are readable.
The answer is 11:06
